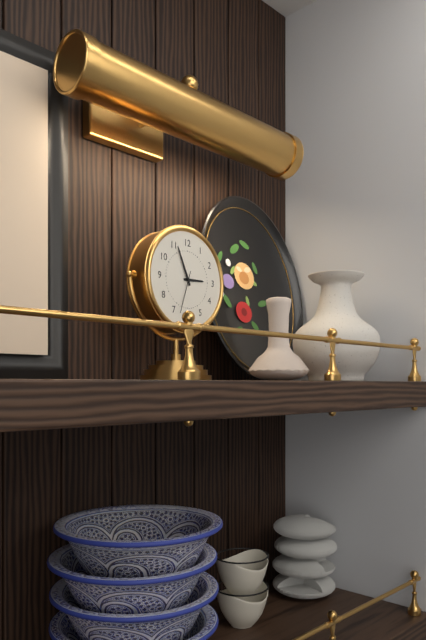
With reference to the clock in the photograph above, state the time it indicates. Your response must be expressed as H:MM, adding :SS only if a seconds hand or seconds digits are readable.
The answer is 2:56
